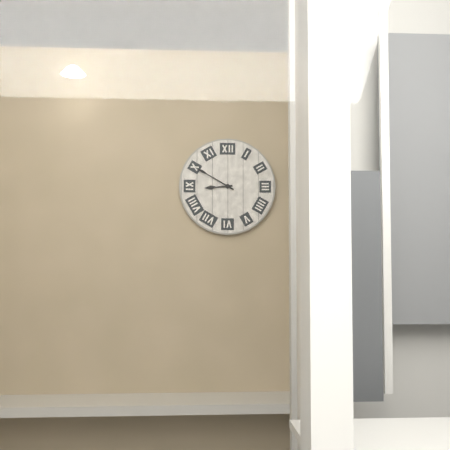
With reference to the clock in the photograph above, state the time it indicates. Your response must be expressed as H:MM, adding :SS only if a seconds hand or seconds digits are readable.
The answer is 8:50
